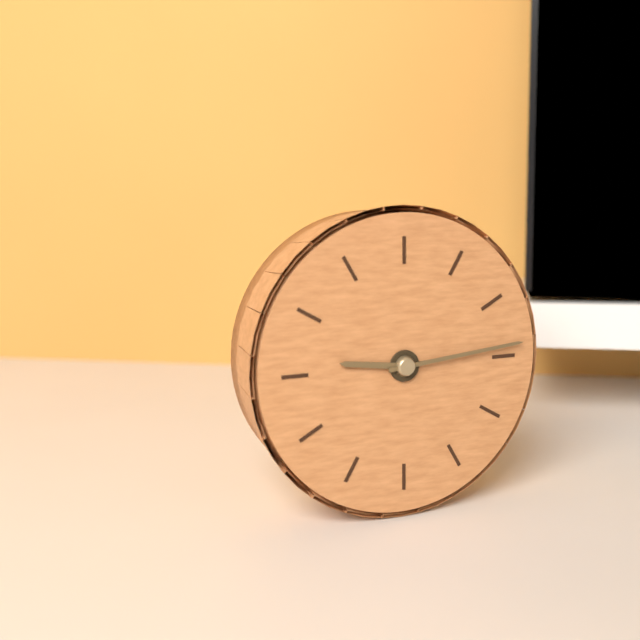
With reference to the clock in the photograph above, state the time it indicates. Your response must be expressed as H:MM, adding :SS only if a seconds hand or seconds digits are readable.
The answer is 9:14
